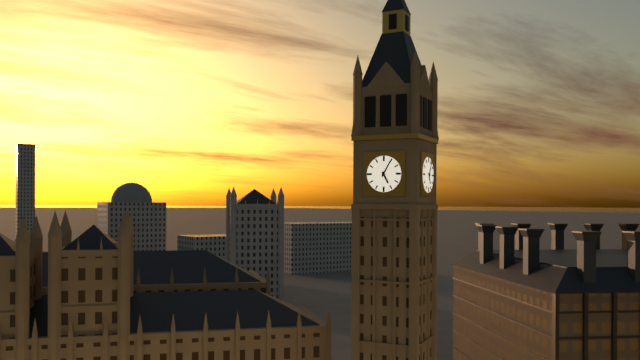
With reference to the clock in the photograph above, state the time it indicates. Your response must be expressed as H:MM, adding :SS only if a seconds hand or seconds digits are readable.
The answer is 5:05
